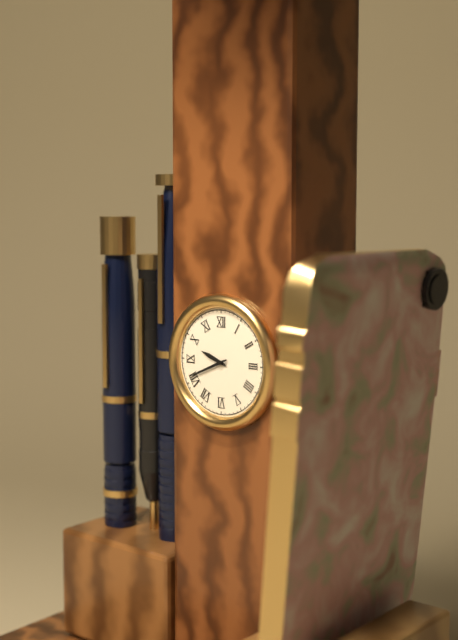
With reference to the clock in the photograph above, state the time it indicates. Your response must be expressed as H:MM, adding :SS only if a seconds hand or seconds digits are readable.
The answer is 9:41
